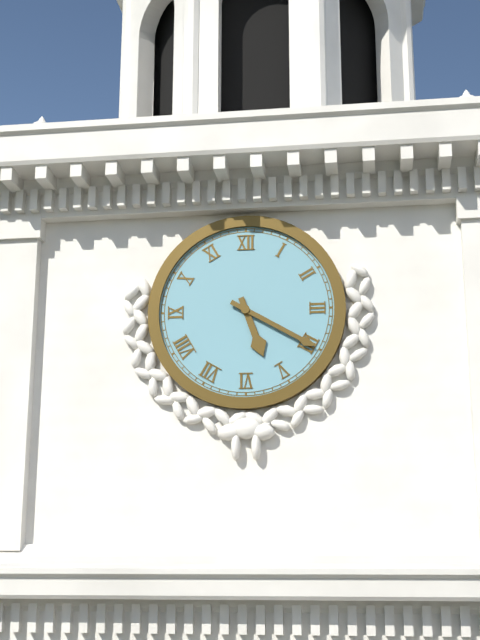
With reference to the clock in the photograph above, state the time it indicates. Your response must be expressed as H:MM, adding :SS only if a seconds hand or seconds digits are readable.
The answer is 5:20
